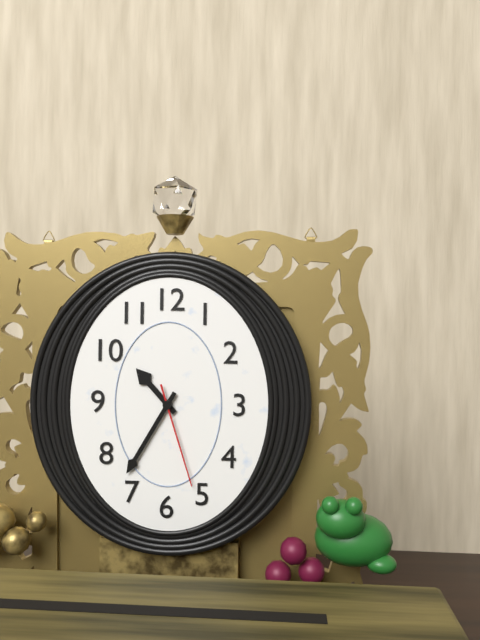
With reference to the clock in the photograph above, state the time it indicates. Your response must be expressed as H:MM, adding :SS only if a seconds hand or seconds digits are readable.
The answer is 10:35:27
